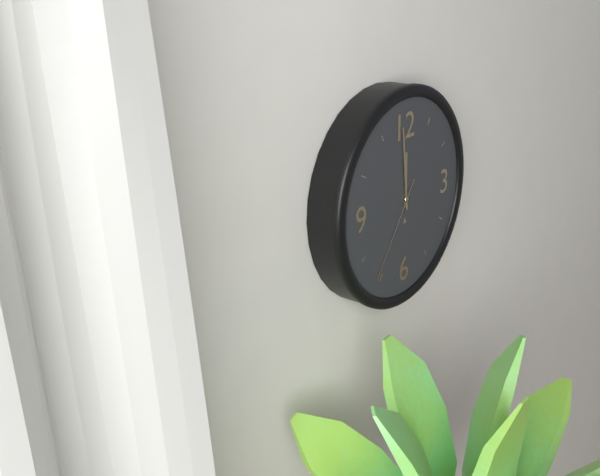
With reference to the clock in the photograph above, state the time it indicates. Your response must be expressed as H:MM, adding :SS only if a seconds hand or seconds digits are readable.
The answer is 11:59:36
